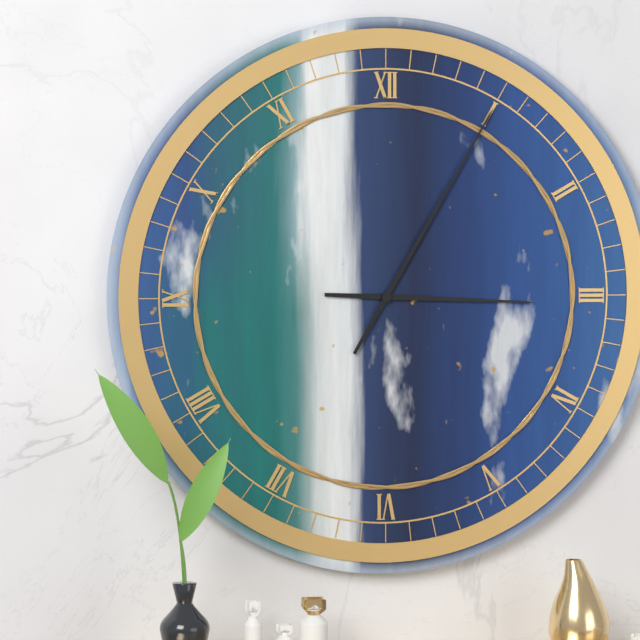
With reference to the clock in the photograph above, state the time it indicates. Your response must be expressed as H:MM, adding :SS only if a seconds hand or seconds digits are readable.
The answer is 3:05
